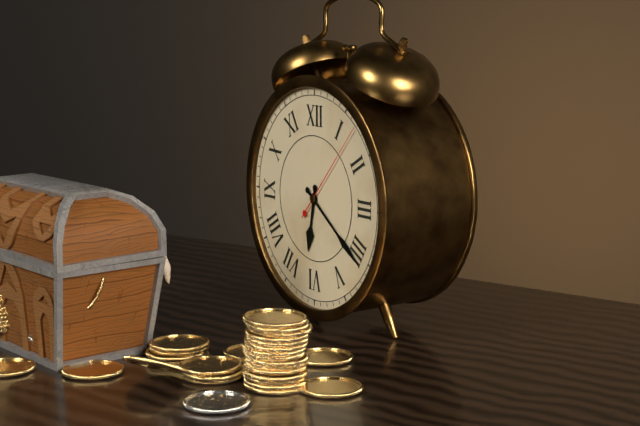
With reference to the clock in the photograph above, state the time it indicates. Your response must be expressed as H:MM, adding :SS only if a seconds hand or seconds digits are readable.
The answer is 6:21:07
